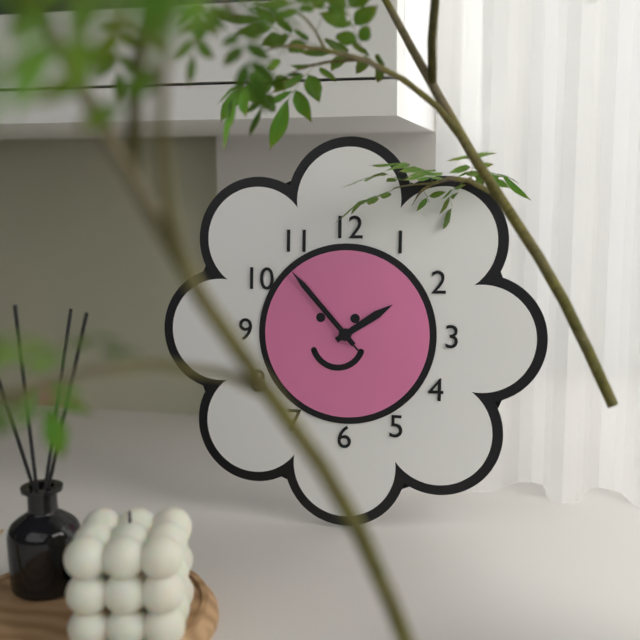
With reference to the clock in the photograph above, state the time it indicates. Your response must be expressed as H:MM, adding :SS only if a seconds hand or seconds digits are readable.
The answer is 1:53:53
